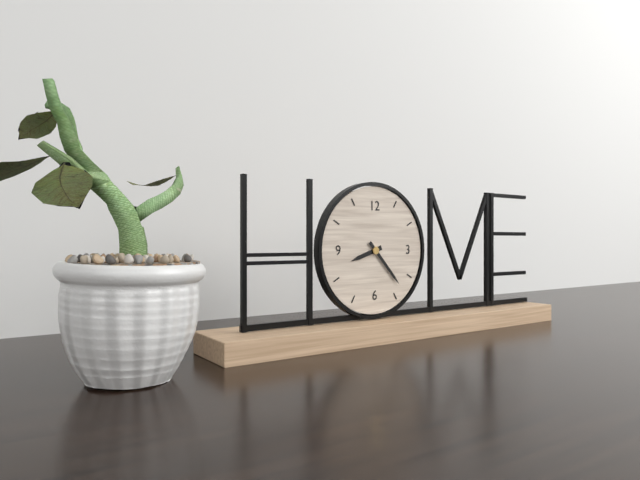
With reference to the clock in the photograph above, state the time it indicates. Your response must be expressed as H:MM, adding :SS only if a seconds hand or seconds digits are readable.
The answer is 8:23
